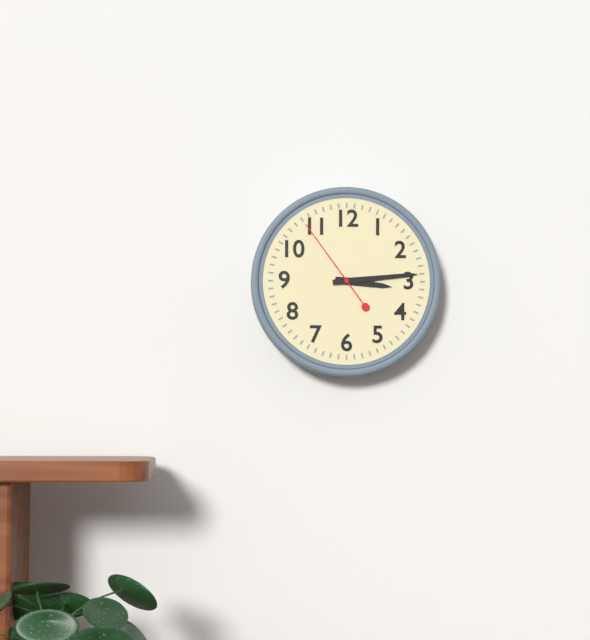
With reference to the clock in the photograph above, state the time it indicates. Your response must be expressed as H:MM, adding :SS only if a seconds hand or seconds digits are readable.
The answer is 3:14:54
